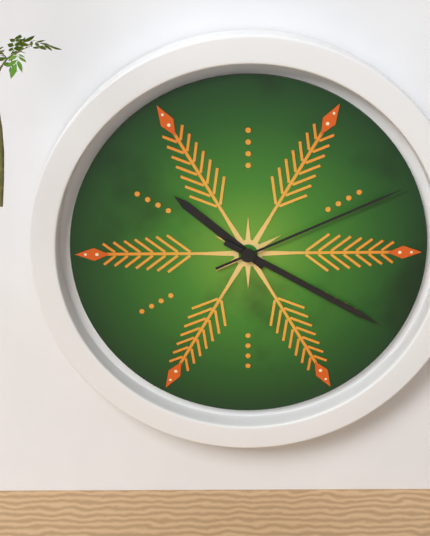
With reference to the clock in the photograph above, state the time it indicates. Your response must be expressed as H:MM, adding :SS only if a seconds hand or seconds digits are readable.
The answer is 10:20:11
